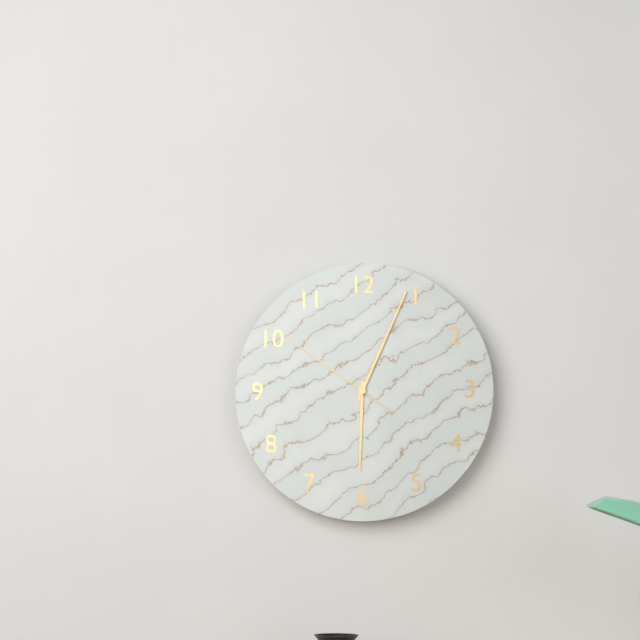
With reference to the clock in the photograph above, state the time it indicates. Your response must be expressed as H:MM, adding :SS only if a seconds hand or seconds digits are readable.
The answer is 6:04:51
